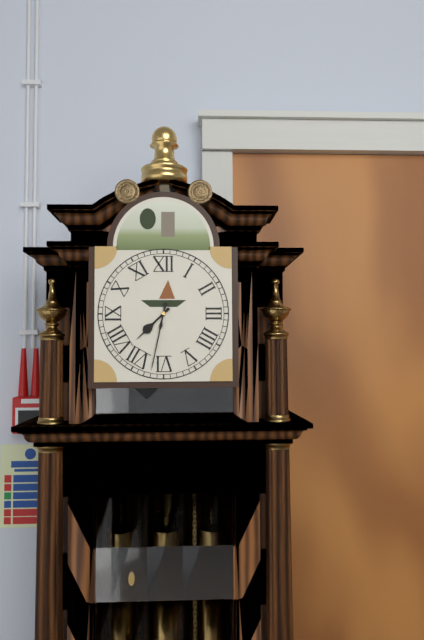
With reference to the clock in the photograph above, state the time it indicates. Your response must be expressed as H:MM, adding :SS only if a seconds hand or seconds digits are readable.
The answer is 7:32
